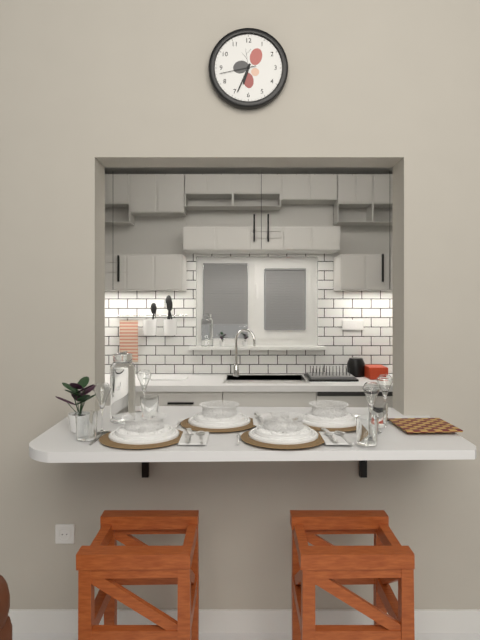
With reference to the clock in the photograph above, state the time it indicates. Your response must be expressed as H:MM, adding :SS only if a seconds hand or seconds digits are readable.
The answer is 6:34
